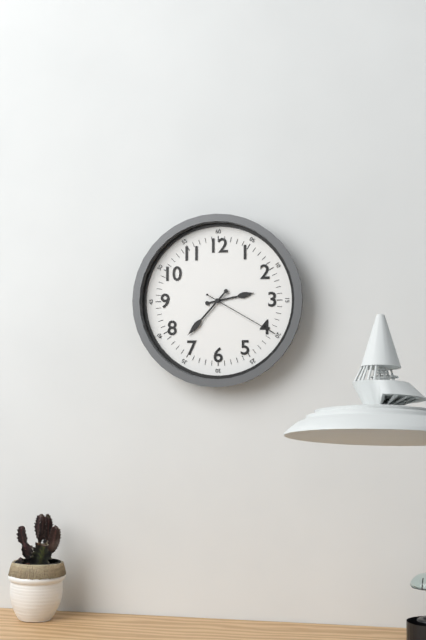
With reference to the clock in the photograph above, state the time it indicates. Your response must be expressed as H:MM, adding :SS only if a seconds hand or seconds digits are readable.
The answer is 2:37:20
